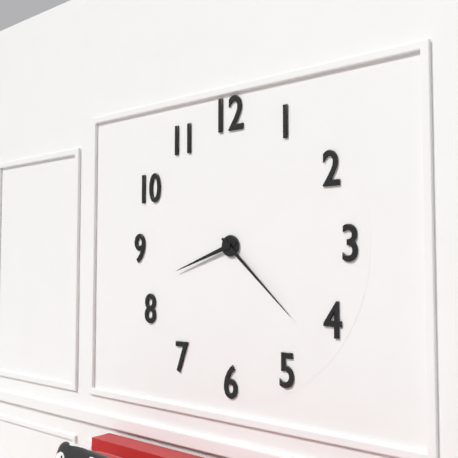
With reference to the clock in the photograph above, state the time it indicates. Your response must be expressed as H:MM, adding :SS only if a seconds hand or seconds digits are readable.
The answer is 8:22
